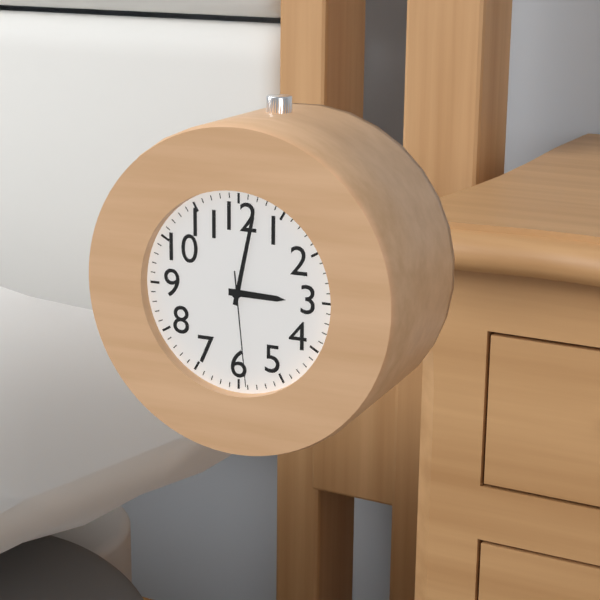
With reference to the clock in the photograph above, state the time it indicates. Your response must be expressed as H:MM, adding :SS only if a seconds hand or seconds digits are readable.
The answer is 3:02:29
